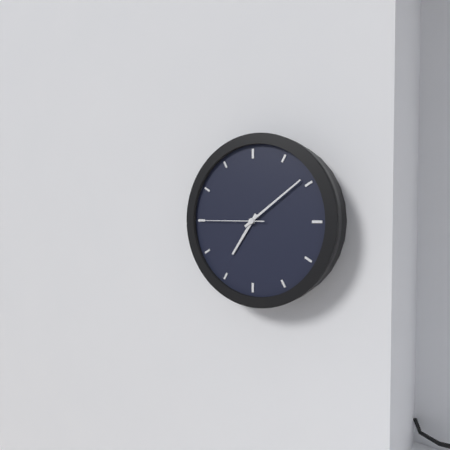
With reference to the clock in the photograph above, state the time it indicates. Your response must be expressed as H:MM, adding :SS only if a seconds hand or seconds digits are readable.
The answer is 7:09:45
